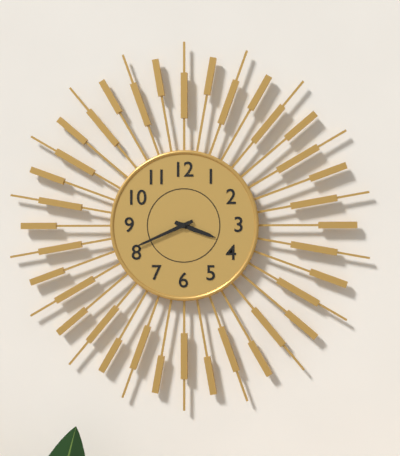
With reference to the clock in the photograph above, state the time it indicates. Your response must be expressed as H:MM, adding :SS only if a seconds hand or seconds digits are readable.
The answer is 3:41
